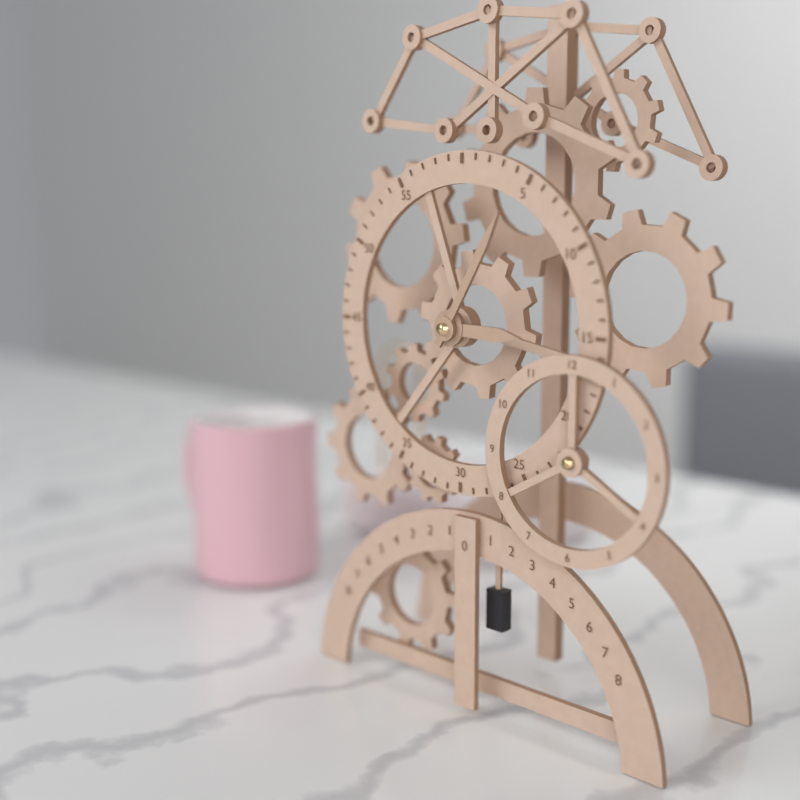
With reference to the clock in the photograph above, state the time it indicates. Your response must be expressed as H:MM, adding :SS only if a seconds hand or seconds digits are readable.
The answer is 3:05
